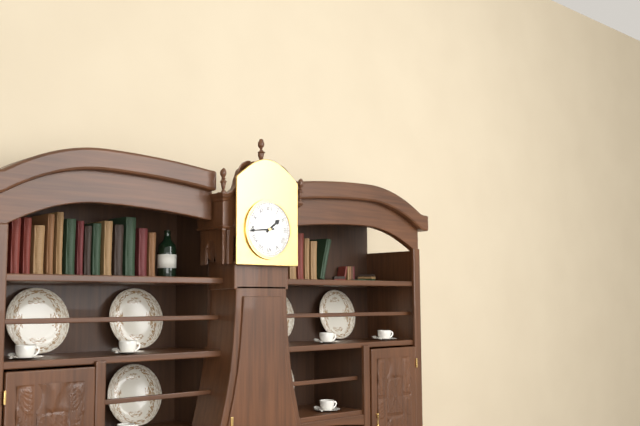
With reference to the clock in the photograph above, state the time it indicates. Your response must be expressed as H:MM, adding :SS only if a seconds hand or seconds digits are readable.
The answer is 1:44
